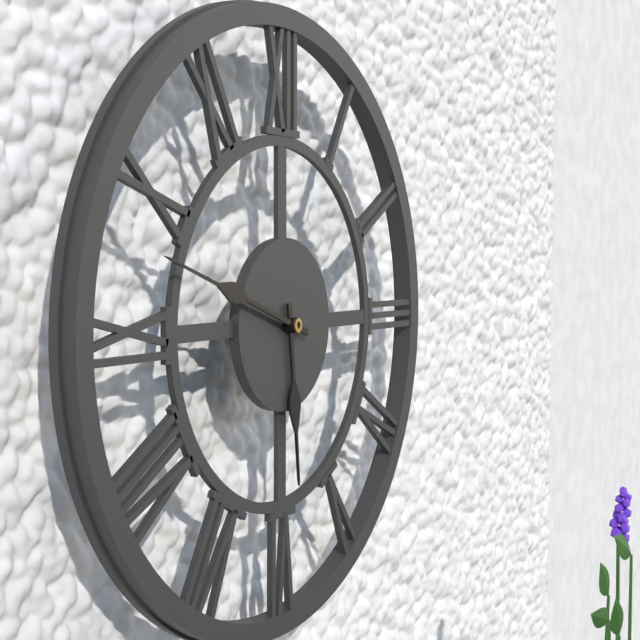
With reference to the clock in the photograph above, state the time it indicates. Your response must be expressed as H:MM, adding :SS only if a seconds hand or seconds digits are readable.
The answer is 5:48
